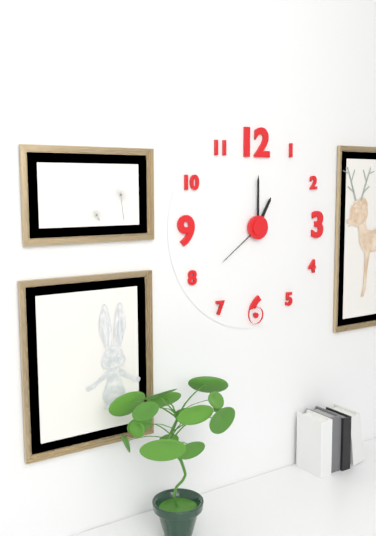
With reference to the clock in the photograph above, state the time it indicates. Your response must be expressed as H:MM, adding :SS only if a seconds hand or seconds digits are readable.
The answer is 1:00:39
